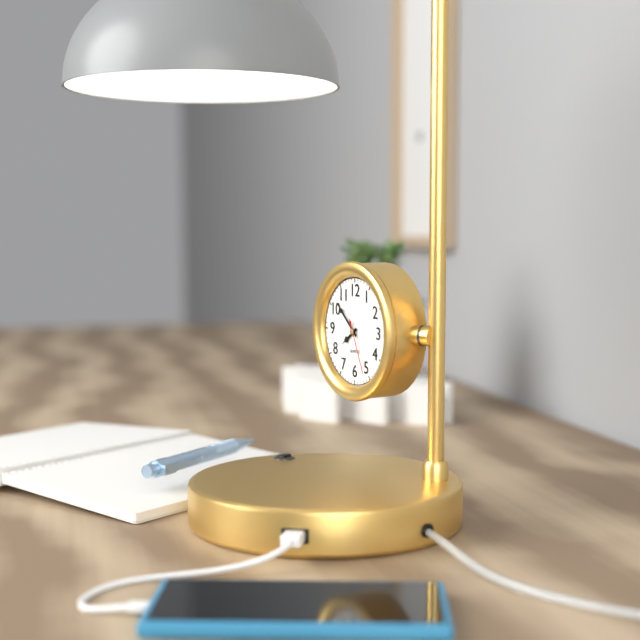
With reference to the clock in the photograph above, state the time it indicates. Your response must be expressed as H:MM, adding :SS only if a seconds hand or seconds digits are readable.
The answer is 7:52:26
